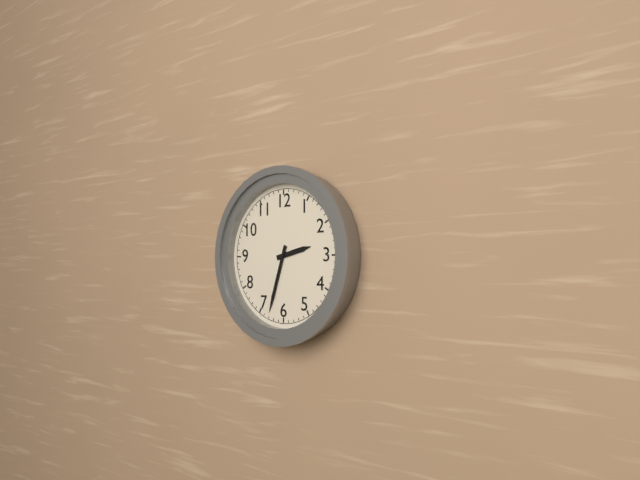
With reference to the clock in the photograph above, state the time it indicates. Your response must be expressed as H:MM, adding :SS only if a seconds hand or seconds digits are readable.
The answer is 2:33
